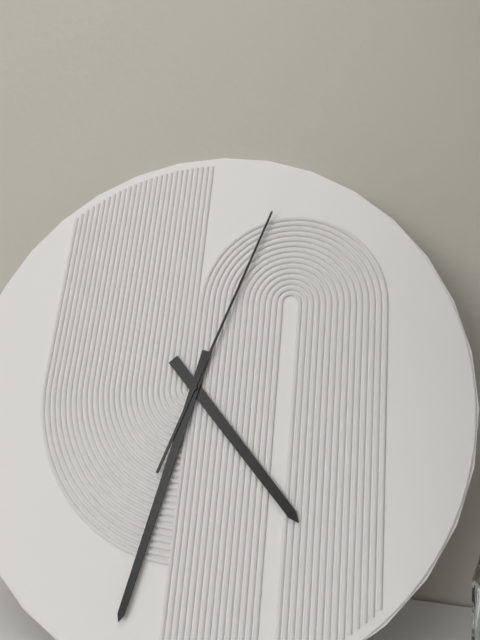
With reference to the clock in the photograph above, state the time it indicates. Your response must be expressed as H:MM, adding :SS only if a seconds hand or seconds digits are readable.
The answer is 4:32:03
